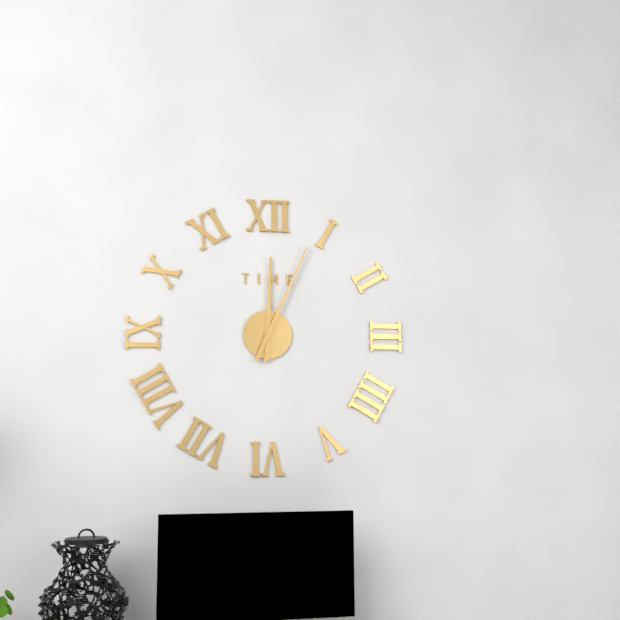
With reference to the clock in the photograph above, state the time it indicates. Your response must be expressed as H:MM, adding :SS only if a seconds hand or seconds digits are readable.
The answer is 12:04
